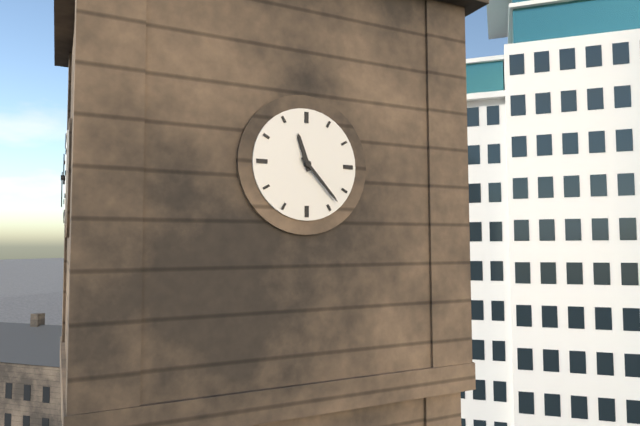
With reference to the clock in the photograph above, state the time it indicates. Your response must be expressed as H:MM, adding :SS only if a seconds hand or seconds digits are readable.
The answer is 11:23
